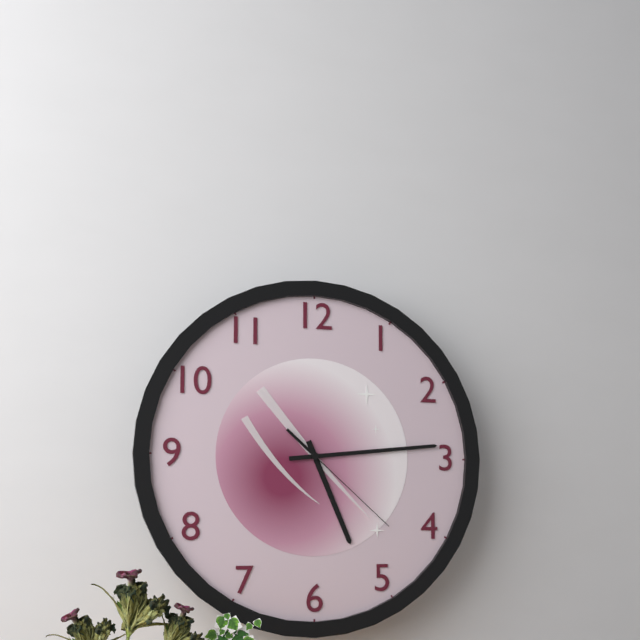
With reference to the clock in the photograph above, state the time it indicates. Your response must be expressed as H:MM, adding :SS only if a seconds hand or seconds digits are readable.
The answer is 5:14:22
